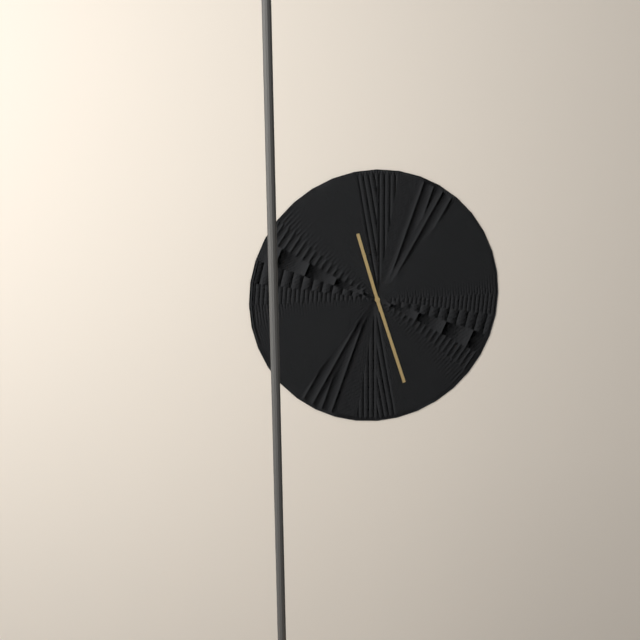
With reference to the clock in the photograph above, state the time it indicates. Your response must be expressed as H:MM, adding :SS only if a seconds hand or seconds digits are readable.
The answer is 11:27
